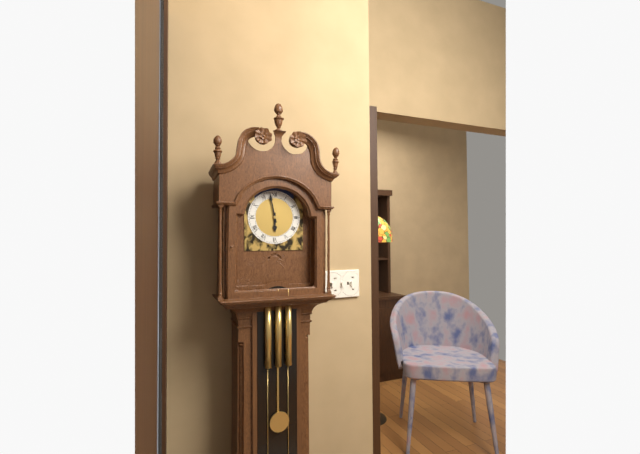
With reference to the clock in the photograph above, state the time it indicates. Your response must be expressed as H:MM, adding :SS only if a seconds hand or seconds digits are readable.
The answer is 5:58
